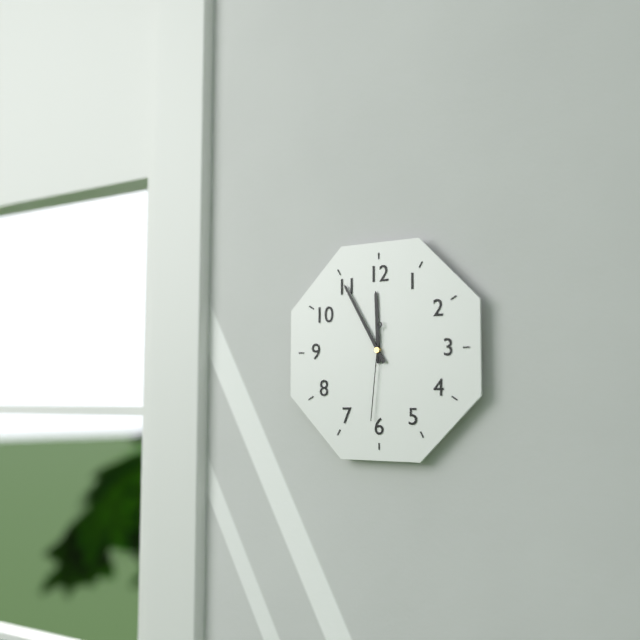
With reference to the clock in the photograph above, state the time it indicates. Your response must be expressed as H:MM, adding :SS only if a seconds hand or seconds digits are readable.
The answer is 11:55:31
